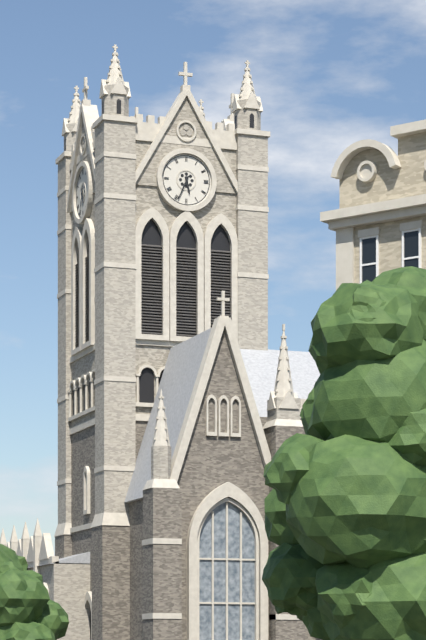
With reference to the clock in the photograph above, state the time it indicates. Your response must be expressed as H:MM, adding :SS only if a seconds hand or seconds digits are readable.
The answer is 5:34
